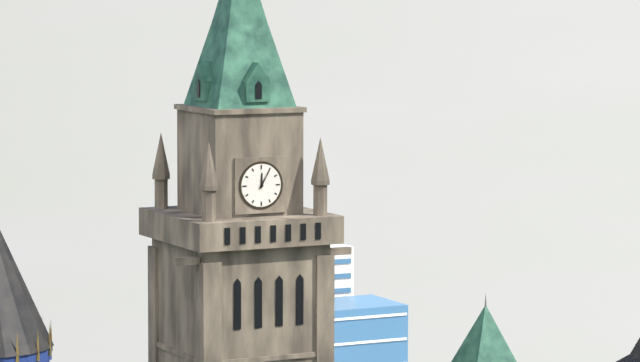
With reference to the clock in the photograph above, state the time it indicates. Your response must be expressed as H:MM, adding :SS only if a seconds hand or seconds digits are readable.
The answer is 12:05
